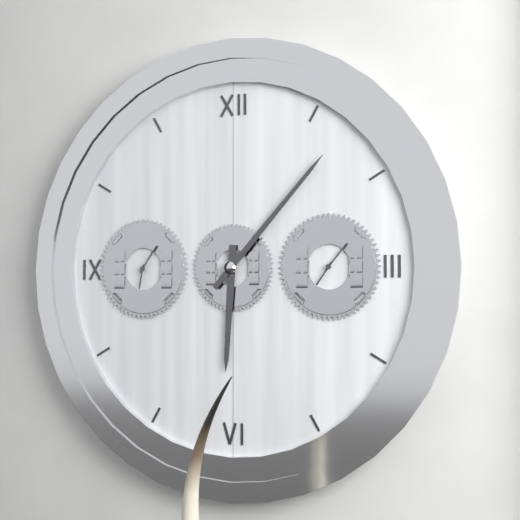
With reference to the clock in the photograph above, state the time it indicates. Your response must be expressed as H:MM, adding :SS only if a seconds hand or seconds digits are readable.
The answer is 6:07
